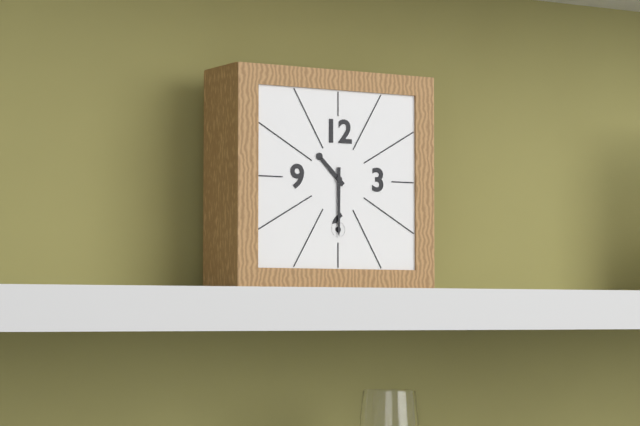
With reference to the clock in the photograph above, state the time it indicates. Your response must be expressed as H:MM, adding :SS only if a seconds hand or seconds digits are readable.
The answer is 10:30
